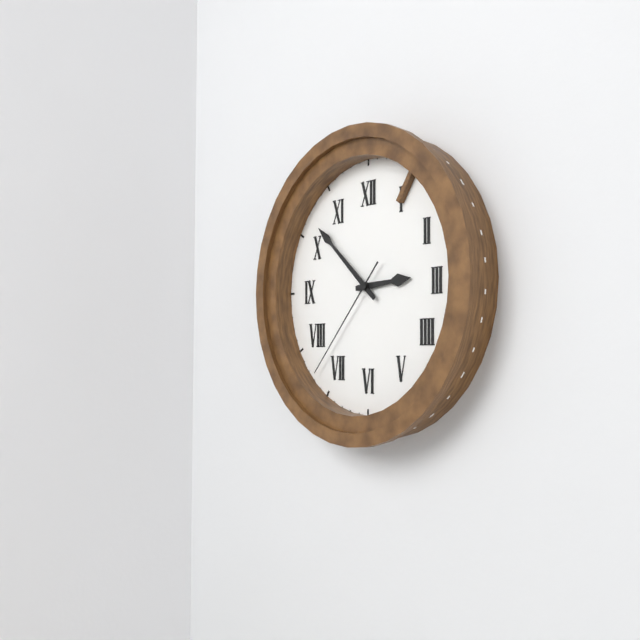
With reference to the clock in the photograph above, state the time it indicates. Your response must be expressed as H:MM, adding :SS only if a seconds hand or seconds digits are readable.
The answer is 2:52:37
